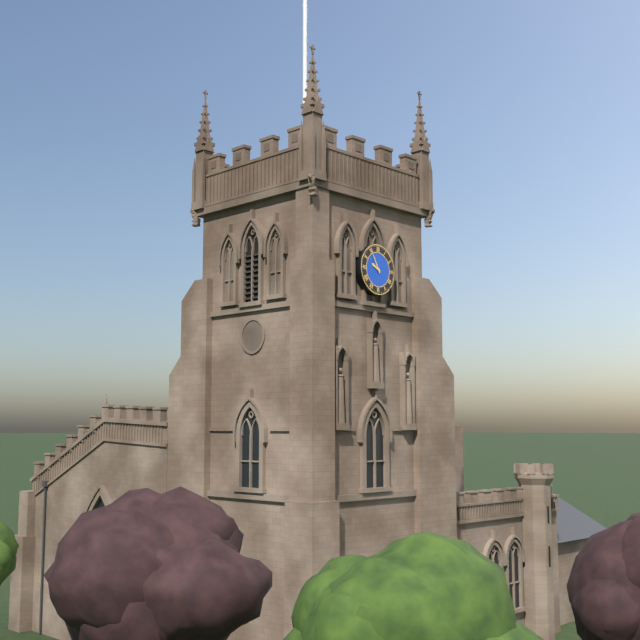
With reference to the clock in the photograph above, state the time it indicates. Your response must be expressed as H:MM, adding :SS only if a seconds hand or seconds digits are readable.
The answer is 9:55
